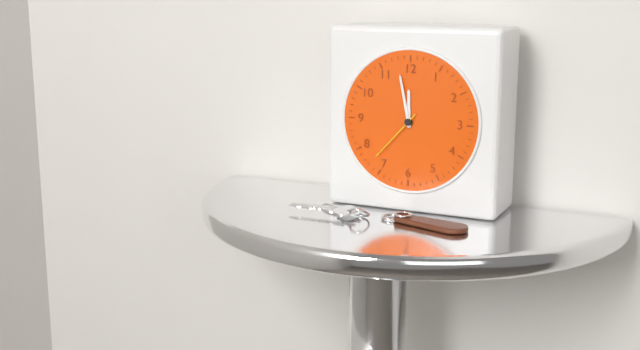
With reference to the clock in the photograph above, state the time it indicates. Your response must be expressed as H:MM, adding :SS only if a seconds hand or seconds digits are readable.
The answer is 11:58:37
